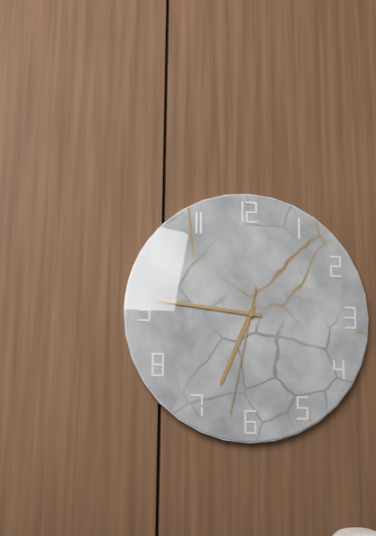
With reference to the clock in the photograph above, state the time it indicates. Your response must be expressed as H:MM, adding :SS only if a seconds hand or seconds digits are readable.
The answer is 6:46:32
